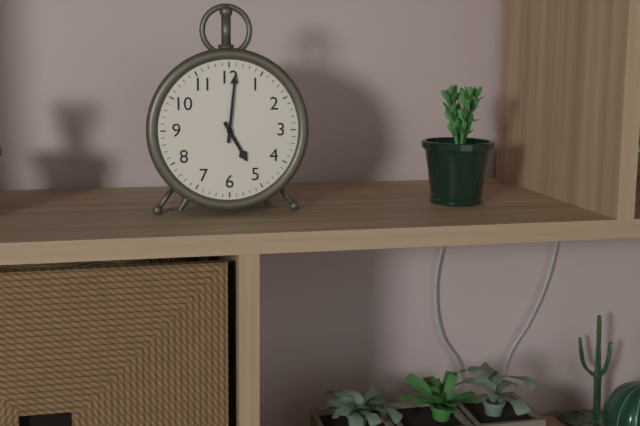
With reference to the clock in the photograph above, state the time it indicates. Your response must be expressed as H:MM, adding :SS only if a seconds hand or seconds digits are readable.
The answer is 5:01
